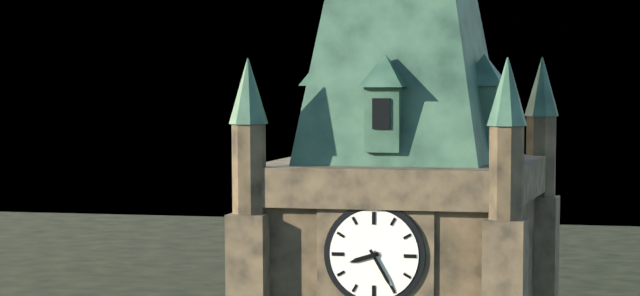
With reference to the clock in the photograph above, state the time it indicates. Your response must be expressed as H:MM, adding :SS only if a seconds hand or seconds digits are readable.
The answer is 8:25
